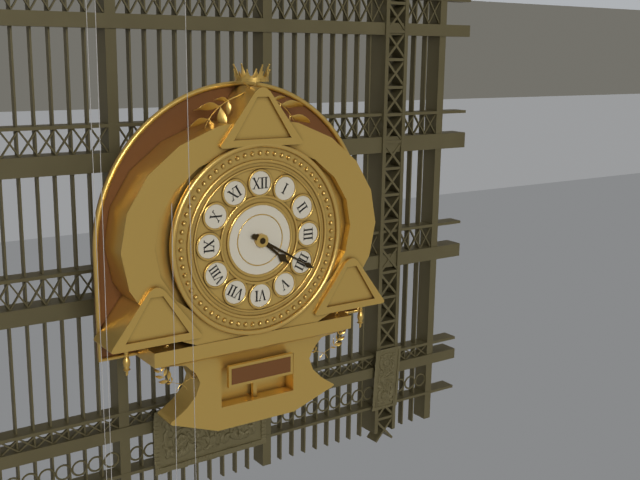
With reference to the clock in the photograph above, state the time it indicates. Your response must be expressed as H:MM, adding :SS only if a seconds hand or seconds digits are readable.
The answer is 4:20
